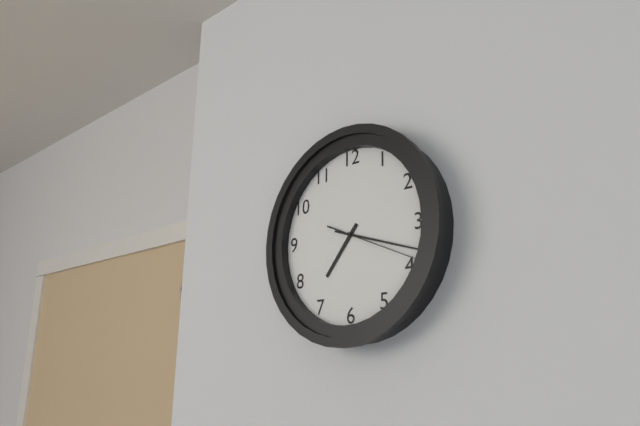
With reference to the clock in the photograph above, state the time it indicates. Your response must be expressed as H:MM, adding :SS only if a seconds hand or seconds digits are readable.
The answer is 7:18:19
